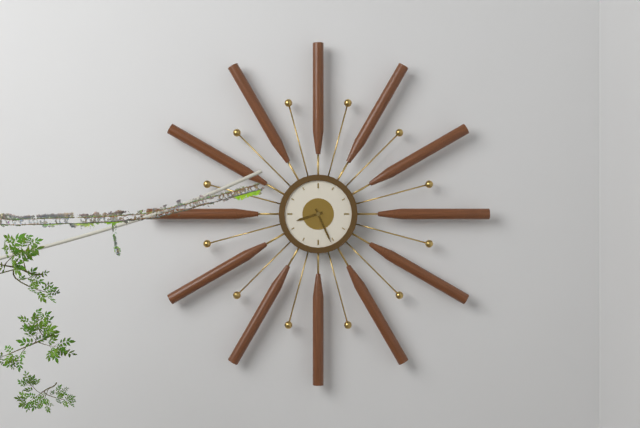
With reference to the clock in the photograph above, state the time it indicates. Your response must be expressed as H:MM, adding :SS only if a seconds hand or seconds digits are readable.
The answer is 8:26
